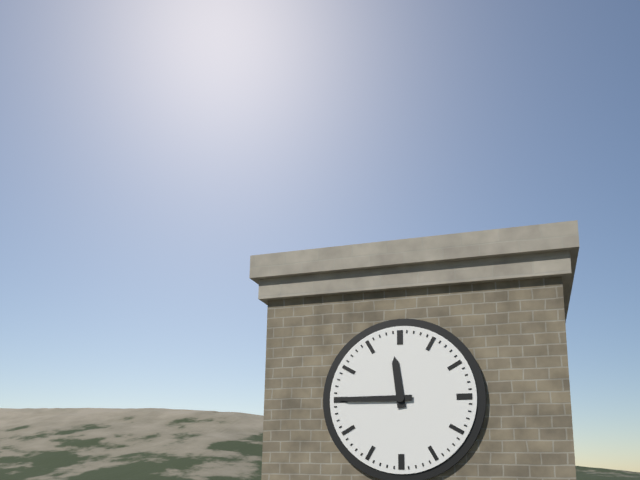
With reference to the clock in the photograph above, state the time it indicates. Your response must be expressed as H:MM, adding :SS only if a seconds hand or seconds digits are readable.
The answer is 11:45
